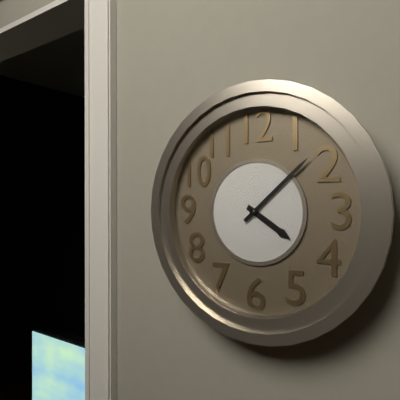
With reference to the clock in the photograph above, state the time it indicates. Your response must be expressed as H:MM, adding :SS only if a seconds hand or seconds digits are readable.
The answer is 4:08
